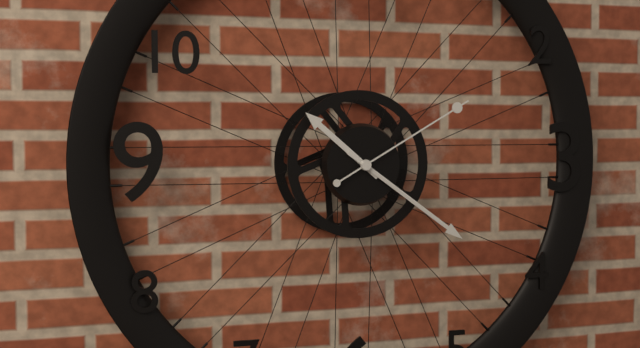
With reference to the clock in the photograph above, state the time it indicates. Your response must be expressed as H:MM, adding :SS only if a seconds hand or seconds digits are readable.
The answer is 10:21:10
